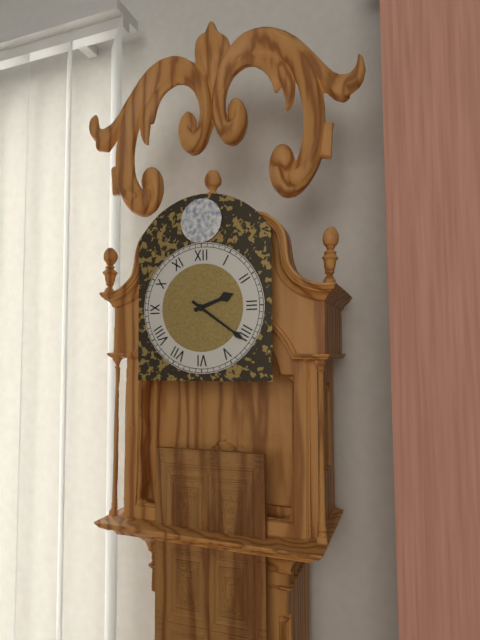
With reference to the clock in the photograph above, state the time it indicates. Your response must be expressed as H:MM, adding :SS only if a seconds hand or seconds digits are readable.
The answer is 2:21
